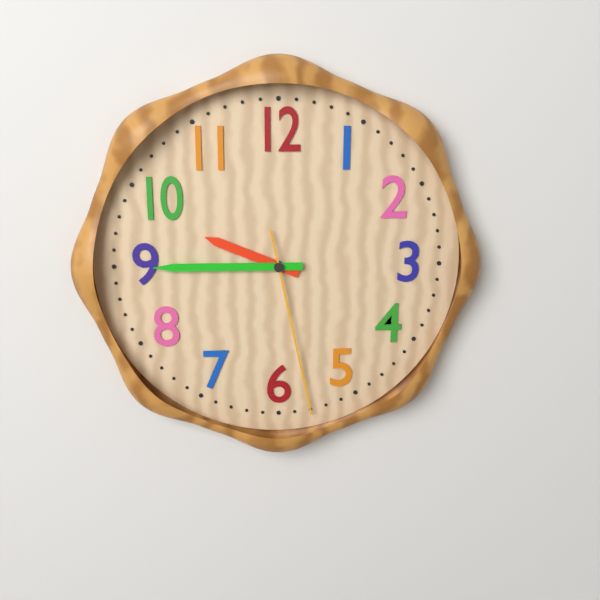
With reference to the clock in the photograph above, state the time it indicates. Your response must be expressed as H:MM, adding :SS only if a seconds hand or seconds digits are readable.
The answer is 9:45:28
